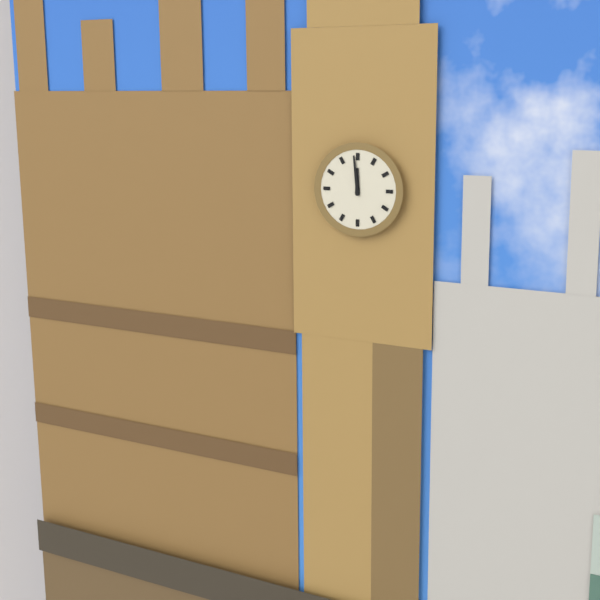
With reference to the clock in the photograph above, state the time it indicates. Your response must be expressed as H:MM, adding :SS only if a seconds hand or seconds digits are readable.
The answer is 11:59
